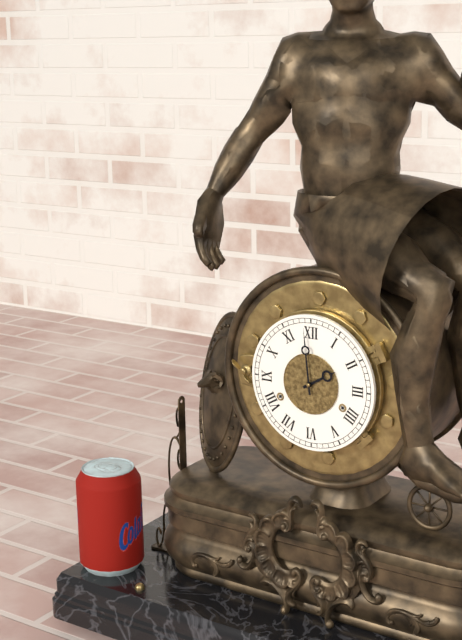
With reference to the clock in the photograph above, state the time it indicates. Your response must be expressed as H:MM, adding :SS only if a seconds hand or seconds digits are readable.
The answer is 1:59
